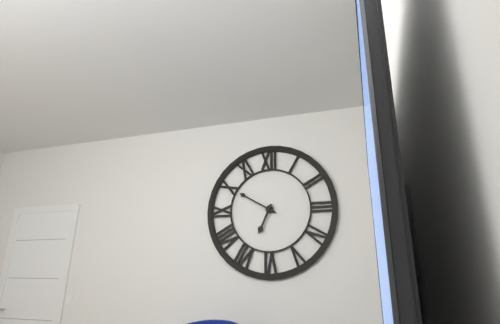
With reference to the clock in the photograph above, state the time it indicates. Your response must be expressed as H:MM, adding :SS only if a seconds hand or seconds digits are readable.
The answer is 6:50
